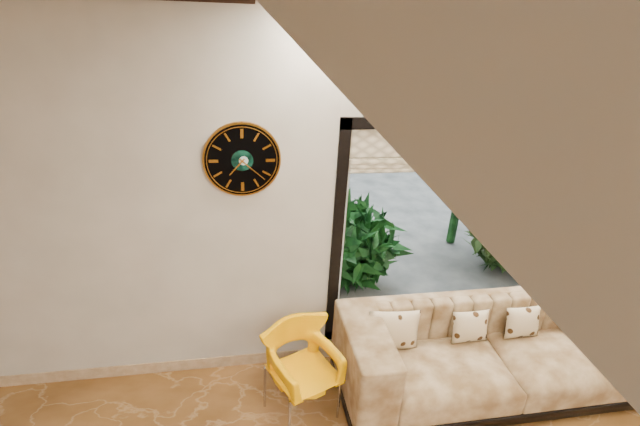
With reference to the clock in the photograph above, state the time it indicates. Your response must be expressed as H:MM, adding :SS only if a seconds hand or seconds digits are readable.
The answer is 7:22
